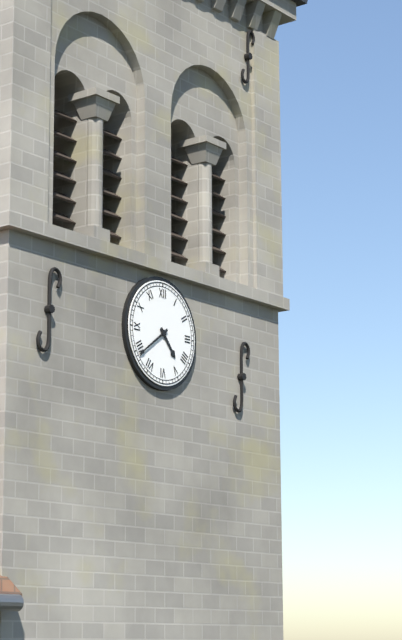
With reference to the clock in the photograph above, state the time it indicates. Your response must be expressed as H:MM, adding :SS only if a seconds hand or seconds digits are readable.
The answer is 4:39
